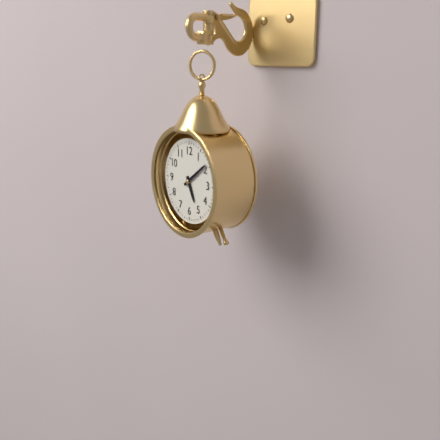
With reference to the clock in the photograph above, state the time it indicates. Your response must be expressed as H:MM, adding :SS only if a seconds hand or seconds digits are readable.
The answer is 5:09
